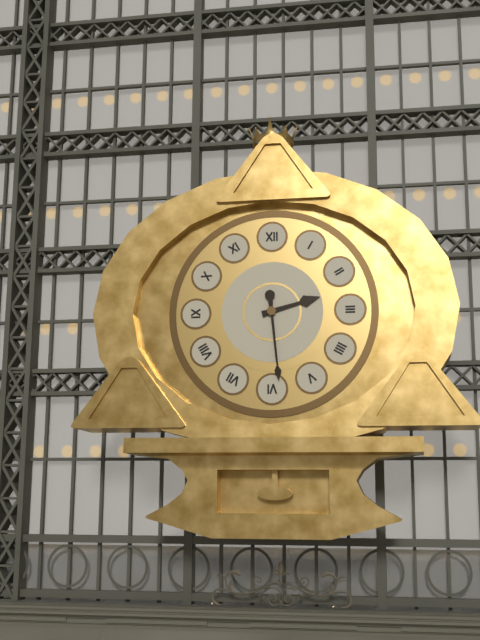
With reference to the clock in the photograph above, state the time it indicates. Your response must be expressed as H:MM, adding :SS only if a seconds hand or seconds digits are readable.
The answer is 2:29
